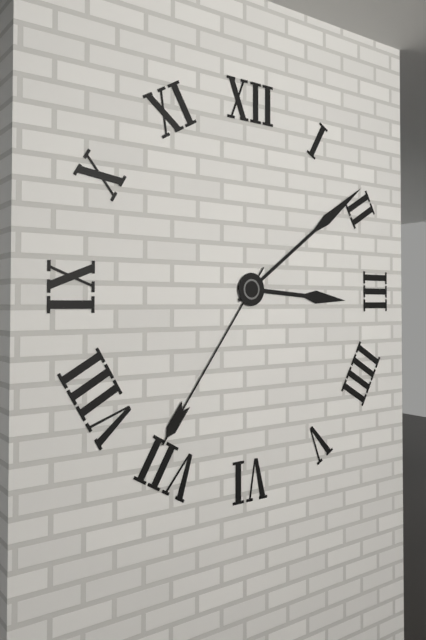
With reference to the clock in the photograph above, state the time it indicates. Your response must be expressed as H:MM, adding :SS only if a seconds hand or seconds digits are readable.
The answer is 3:09:36
